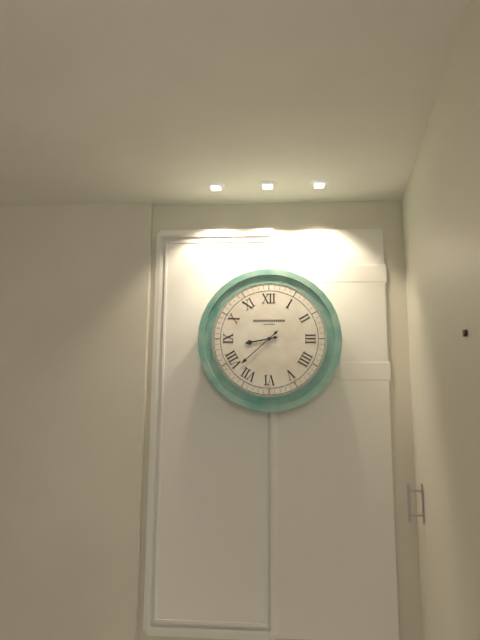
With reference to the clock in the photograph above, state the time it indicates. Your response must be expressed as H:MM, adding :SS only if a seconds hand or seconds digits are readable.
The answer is 8:38
